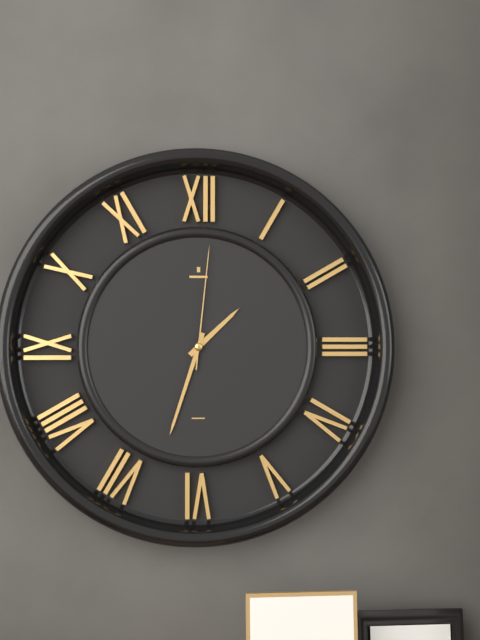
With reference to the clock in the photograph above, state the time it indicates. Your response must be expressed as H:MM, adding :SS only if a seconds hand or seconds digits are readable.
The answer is 1:33:01
